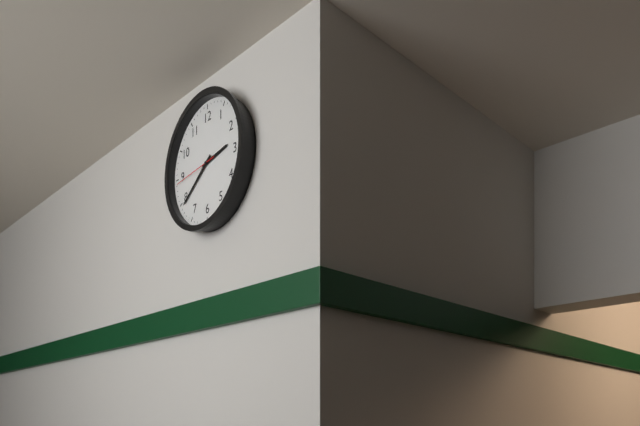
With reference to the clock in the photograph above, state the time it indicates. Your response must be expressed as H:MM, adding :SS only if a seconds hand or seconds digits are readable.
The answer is 2:39
